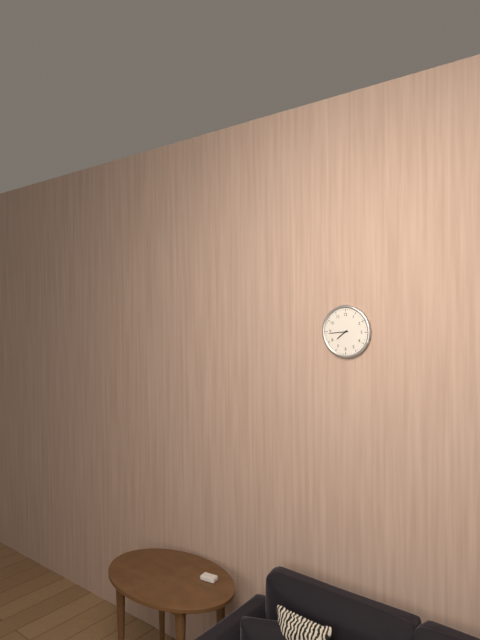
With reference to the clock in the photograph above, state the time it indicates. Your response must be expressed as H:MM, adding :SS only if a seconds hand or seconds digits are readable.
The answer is 7:44
